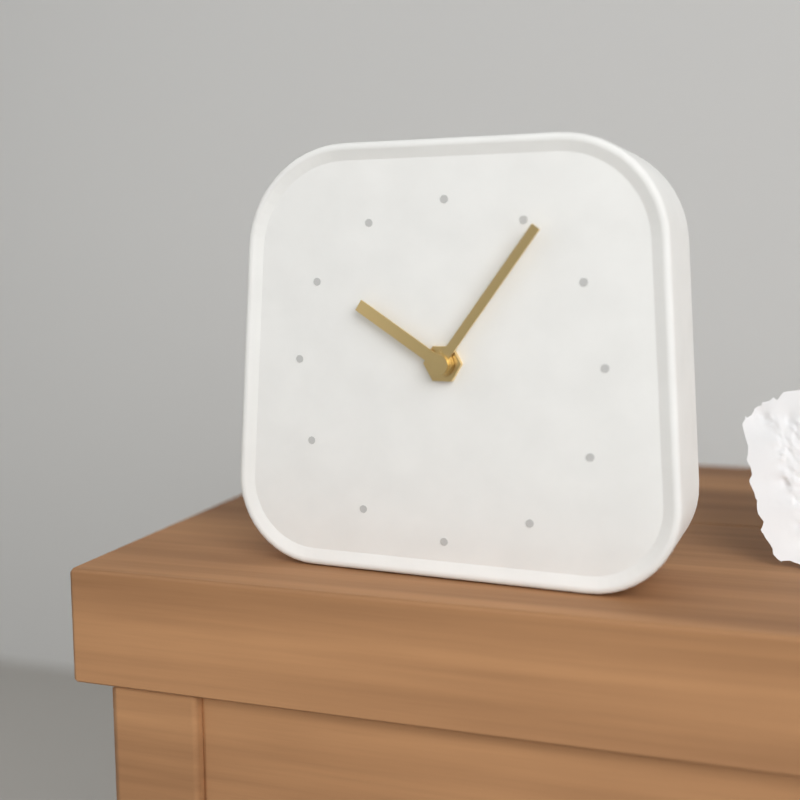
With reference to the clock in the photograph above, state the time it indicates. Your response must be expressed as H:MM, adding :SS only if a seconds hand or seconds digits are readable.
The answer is 10:06
